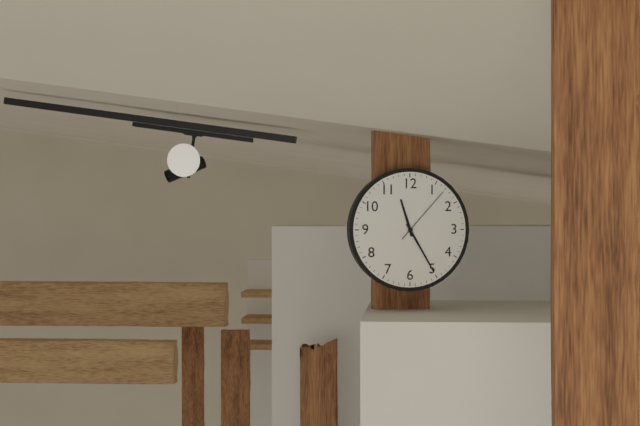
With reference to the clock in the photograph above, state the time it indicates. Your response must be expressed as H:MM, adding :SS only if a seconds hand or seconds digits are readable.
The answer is 11:25:07
